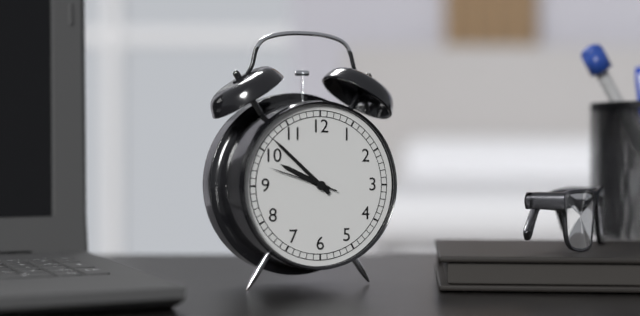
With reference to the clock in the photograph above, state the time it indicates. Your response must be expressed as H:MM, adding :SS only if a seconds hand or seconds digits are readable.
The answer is 9:52:48
